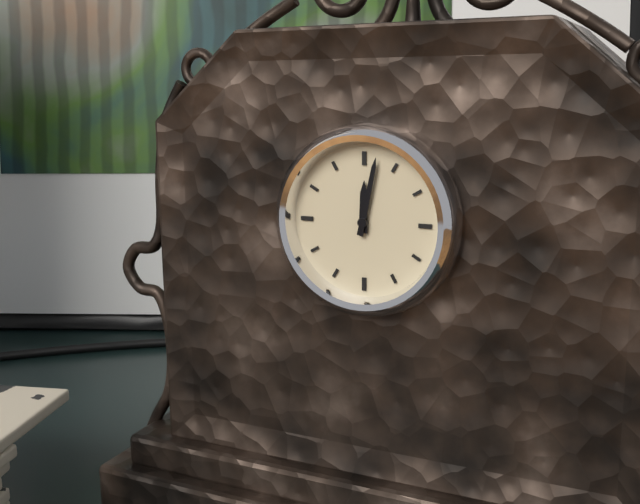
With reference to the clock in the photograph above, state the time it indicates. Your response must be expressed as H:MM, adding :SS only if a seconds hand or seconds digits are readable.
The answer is 12:02
